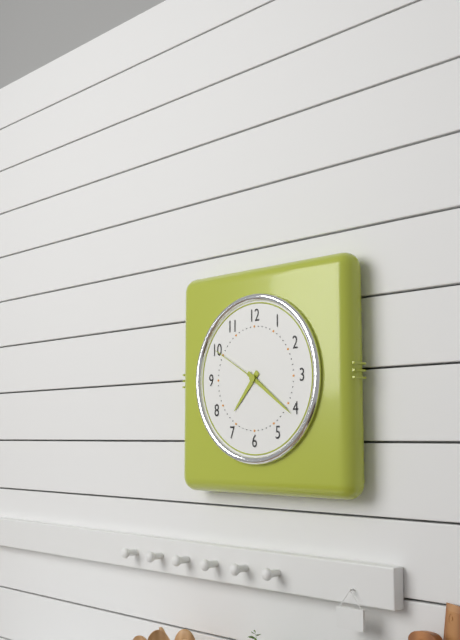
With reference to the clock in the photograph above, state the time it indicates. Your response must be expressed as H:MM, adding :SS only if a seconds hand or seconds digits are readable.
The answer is 7:21:50
